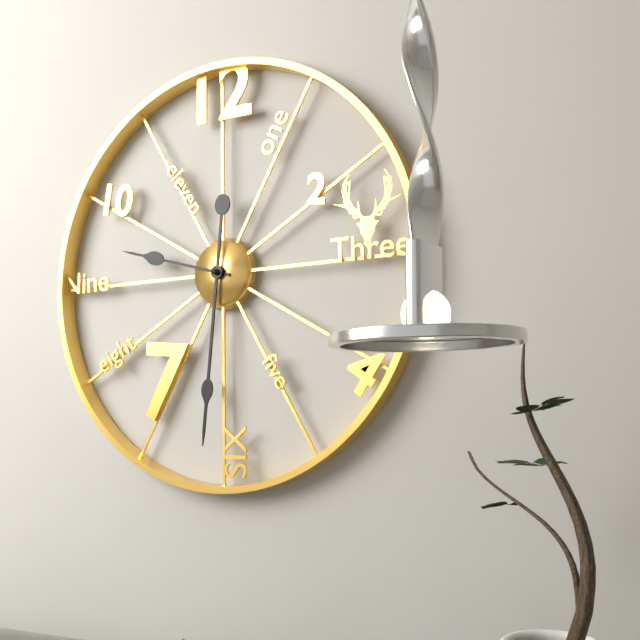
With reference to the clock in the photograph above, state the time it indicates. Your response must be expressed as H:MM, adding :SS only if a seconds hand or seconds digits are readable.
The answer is 9:31
